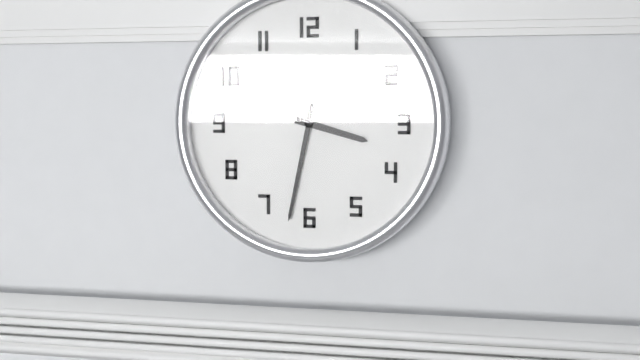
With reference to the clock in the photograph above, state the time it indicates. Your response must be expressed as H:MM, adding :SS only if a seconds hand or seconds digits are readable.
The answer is 3:32
